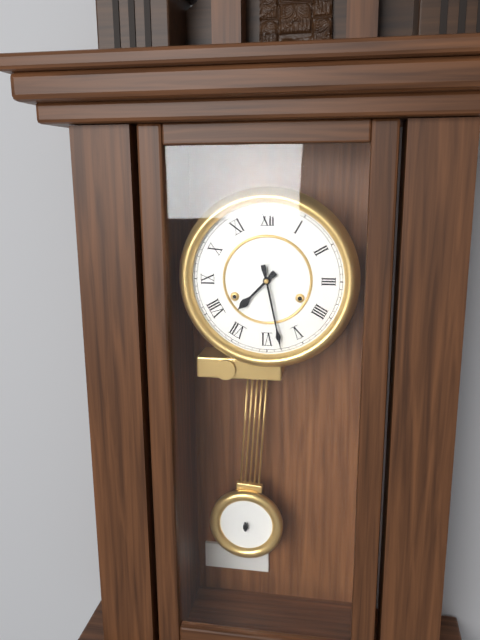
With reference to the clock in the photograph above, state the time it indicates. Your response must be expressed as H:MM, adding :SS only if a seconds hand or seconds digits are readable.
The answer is 7:28
